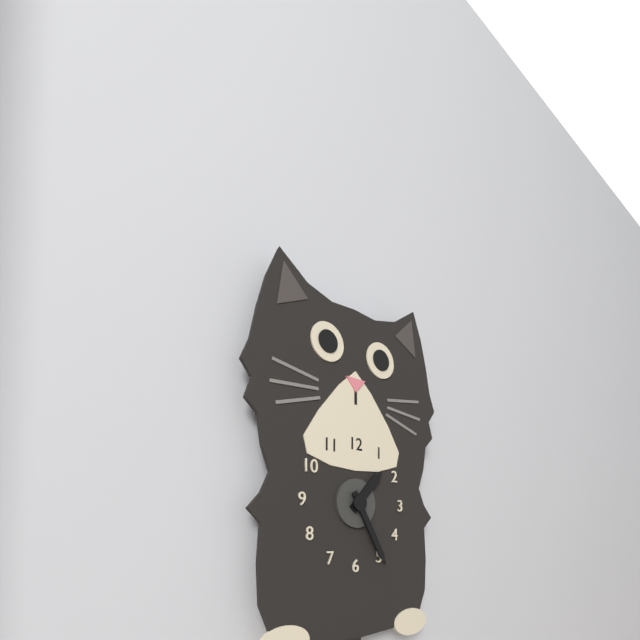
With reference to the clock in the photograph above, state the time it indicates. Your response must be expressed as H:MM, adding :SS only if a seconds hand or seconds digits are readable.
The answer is 1:25
